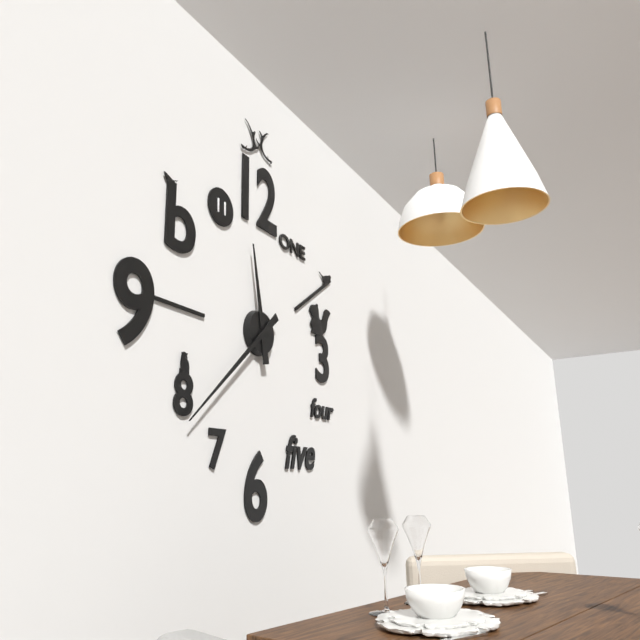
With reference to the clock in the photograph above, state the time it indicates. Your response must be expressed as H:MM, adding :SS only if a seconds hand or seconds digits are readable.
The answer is 11:38
